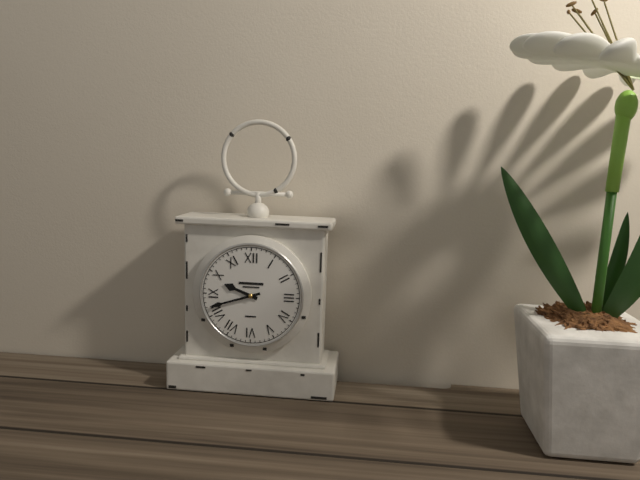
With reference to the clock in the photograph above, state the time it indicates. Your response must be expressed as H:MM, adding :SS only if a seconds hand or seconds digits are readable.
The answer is 9:42
